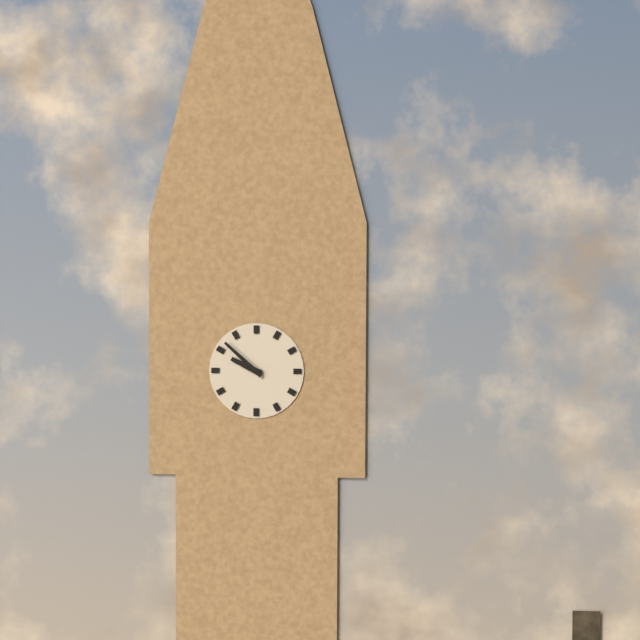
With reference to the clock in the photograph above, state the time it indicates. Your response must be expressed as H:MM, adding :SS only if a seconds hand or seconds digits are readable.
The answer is 9:52
